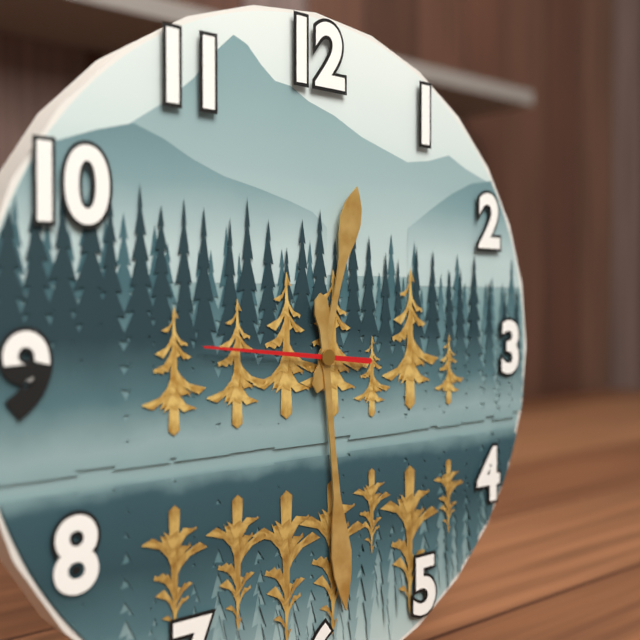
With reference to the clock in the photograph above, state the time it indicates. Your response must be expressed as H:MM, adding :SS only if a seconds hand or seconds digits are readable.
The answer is 12:29:46
